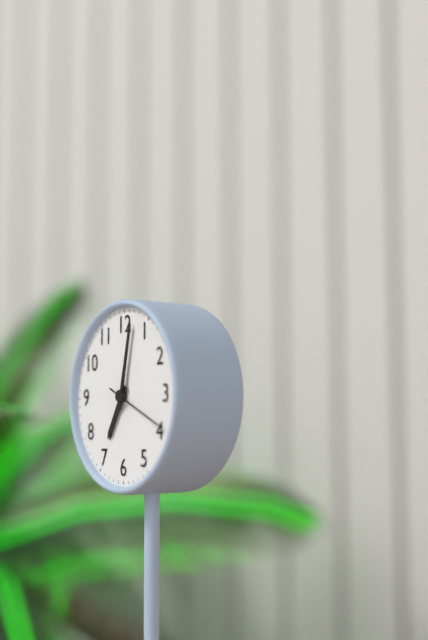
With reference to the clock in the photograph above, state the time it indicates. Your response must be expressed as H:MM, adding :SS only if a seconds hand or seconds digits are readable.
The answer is 7:02:19
